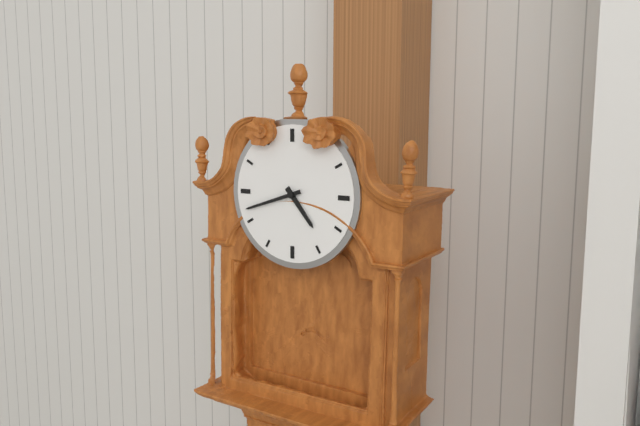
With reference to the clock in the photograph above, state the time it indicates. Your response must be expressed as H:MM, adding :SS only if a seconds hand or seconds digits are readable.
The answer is 4:42
